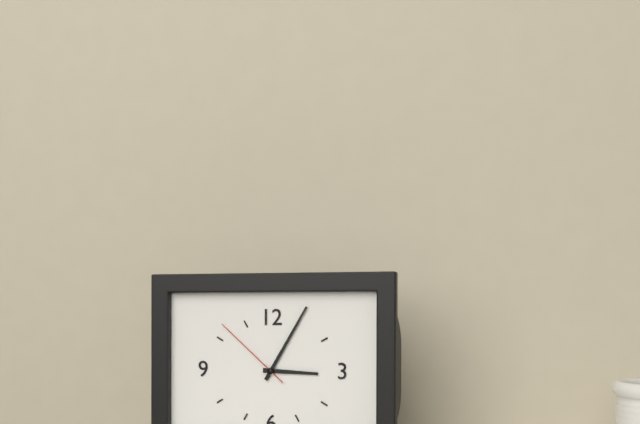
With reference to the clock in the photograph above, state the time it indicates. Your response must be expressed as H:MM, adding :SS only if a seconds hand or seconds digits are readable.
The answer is 3:05:52
